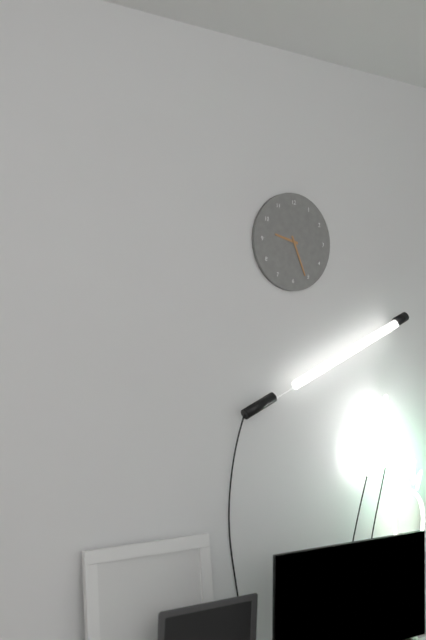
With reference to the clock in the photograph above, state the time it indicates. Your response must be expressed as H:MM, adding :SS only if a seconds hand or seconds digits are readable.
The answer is 9:26
